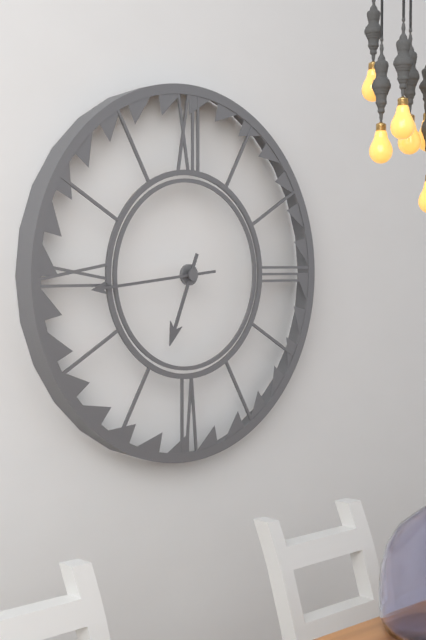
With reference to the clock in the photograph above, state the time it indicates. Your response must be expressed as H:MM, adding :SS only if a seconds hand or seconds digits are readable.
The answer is 6:44
